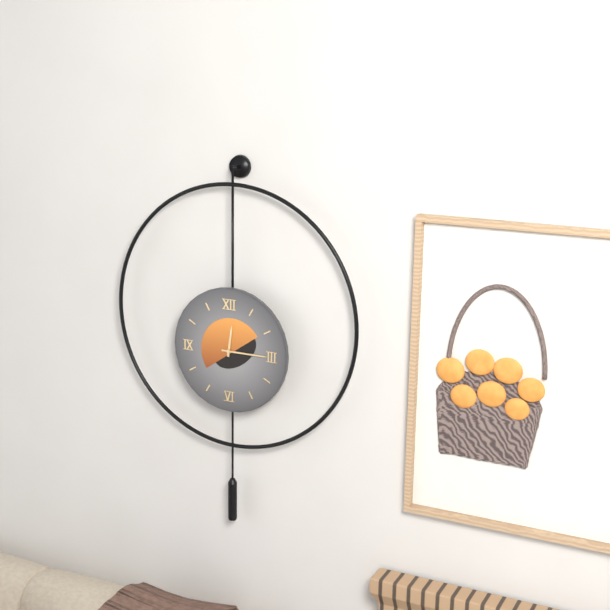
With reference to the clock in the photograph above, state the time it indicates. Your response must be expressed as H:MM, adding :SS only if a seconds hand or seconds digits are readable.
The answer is 12:15
